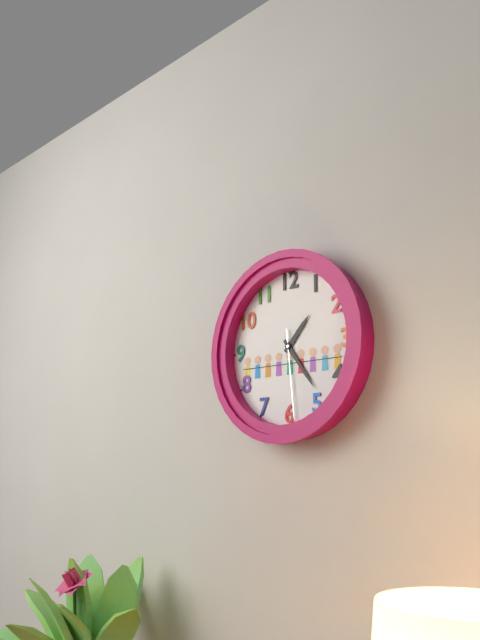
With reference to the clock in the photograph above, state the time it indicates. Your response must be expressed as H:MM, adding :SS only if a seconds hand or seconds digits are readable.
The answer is 1:24:29
